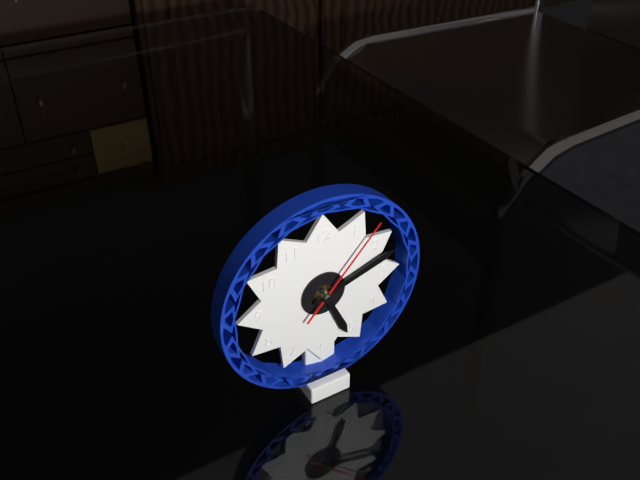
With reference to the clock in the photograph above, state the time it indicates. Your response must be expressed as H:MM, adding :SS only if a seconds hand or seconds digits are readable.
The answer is 5:12:07
